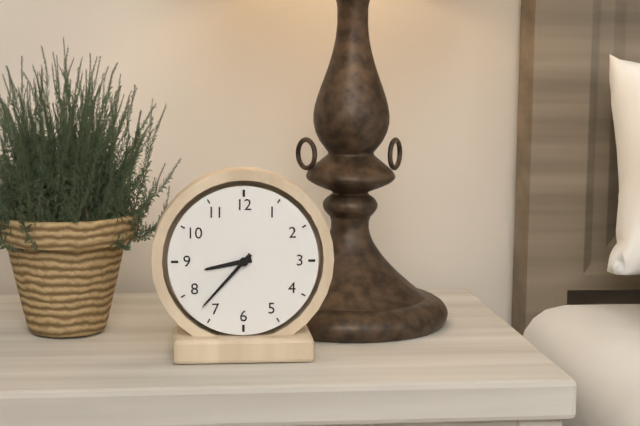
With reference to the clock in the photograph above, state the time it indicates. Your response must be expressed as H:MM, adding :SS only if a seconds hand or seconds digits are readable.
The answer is 8:37
